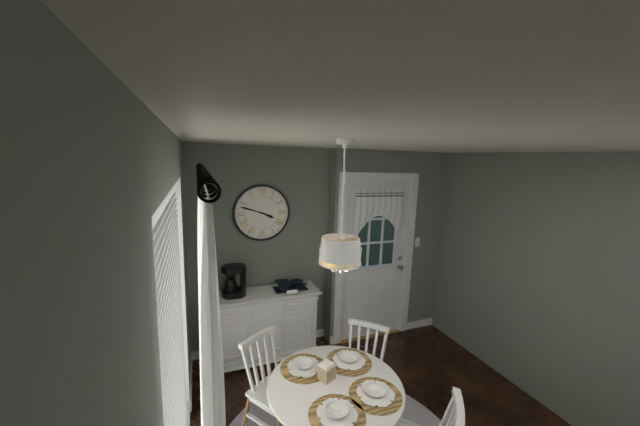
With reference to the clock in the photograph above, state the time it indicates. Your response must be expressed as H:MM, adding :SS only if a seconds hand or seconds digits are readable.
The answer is 3:48
